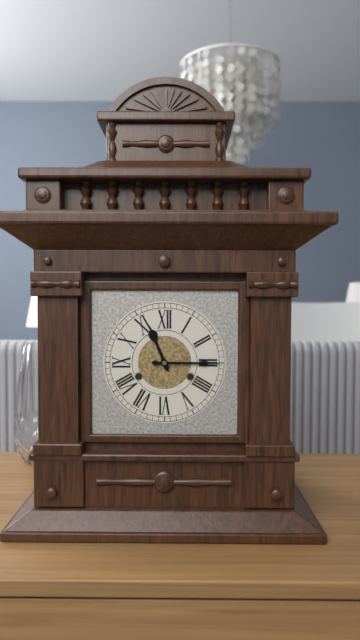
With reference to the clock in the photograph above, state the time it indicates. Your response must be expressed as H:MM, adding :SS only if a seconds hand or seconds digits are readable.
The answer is 11:15
